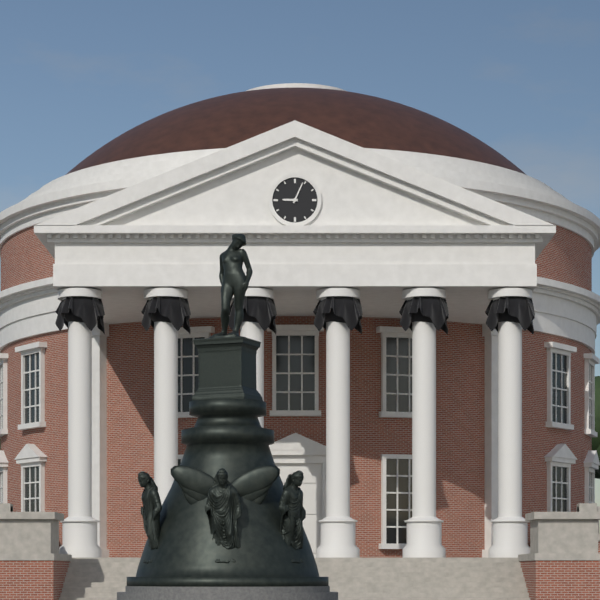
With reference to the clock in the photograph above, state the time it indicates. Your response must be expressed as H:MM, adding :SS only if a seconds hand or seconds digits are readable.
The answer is 9:04
